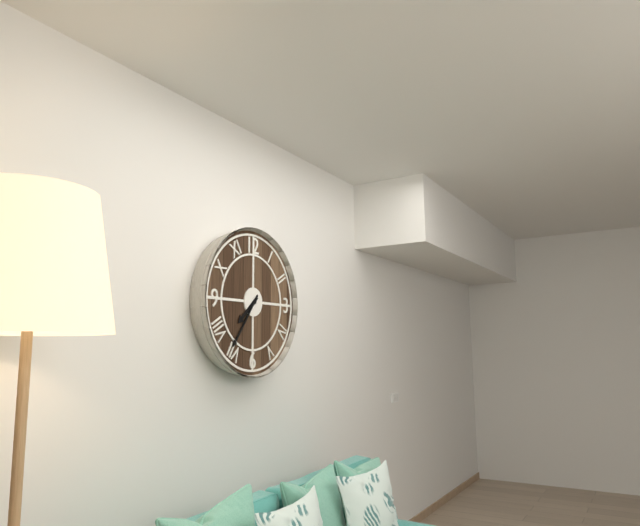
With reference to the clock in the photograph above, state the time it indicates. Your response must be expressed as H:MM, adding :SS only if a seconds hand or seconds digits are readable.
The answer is 7:36
